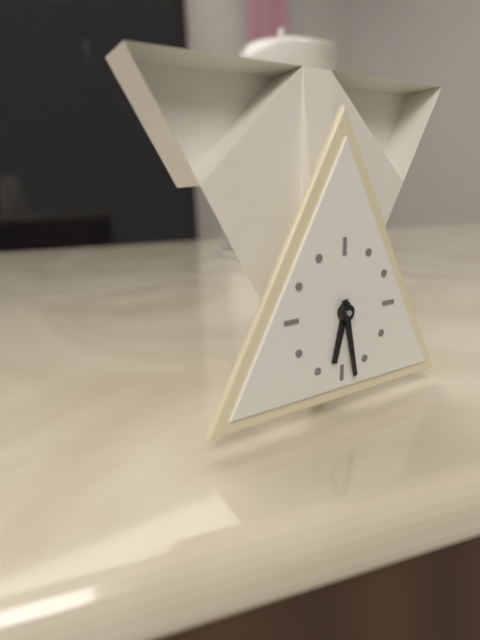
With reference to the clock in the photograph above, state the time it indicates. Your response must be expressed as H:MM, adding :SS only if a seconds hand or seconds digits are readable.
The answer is 6:28
